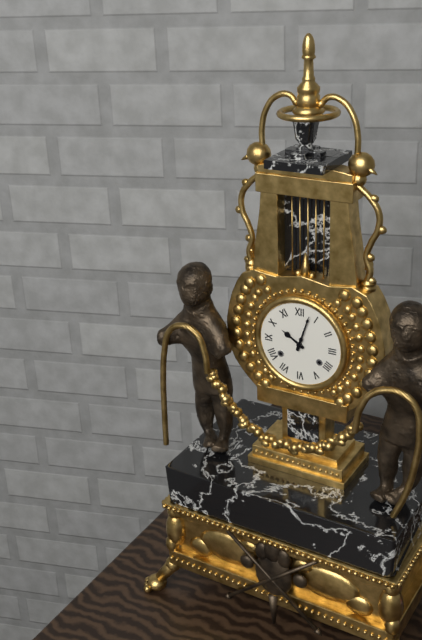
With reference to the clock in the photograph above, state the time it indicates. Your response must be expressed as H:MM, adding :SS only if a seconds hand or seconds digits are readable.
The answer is 10:03
